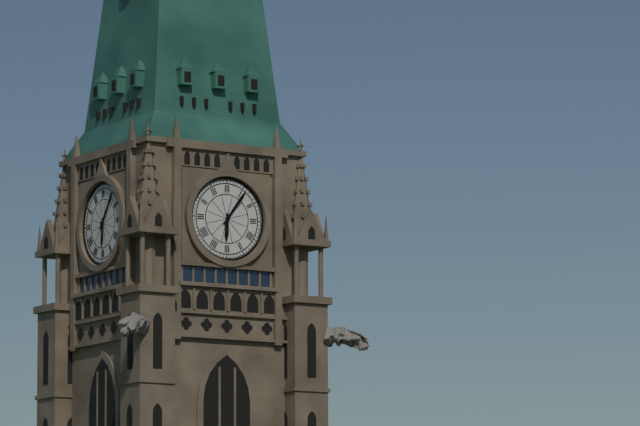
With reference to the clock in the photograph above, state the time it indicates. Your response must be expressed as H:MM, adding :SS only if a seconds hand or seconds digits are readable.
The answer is 6:06
